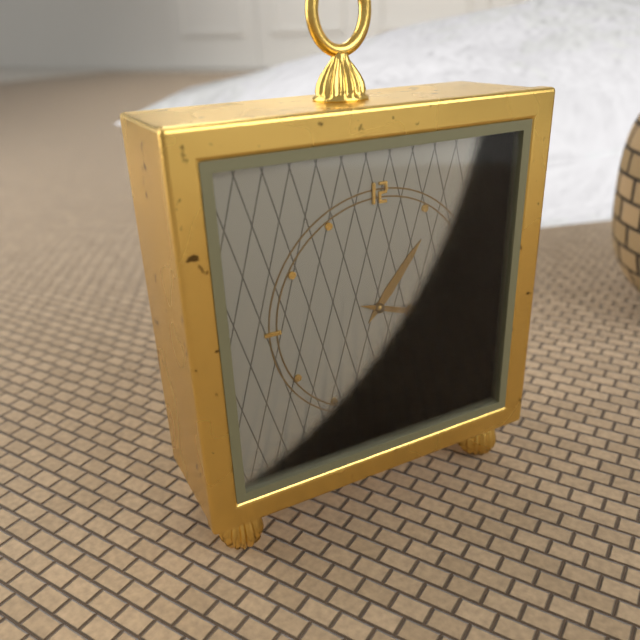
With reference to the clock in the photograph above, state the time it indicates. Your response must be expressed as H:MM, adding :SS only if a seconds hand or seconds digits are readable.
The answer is 1:18
